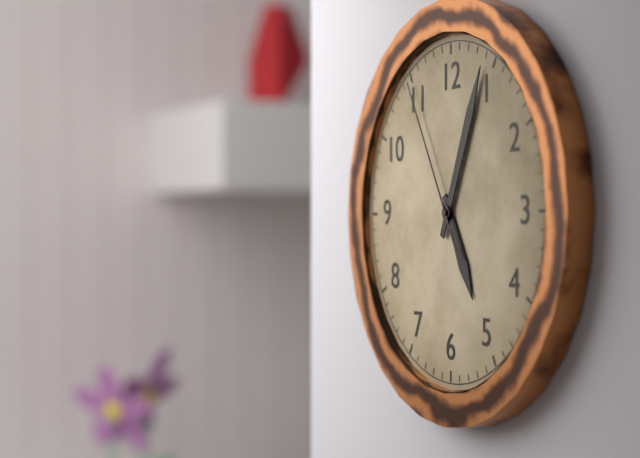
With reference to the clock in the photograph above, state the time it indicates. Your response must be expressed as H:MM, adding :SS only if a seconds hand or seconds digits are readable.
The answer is 5:04:55
